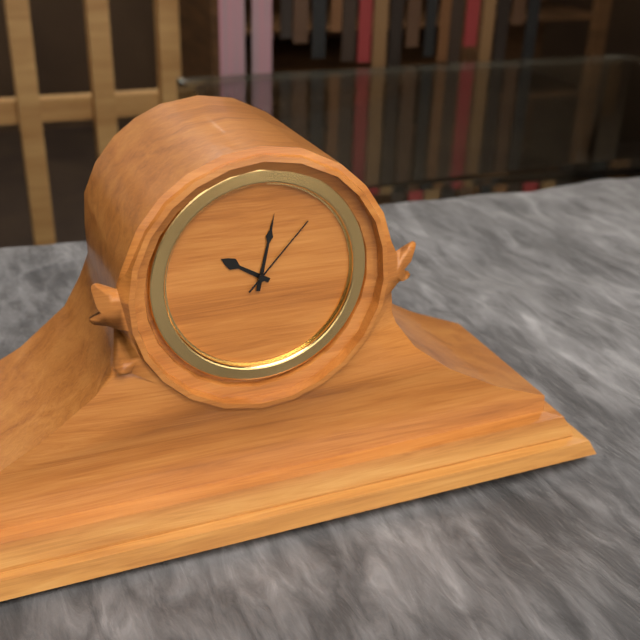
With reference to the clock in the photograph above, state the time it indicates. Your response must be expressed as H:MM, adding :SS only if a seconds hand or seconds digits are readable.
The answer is 10:02:07
